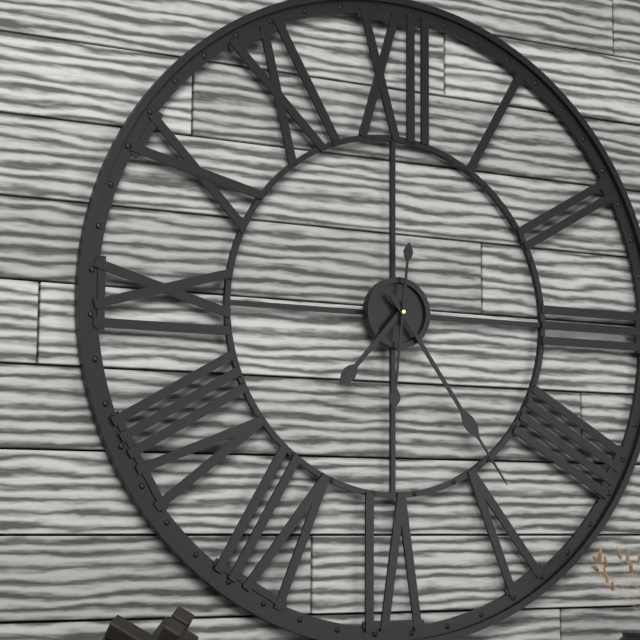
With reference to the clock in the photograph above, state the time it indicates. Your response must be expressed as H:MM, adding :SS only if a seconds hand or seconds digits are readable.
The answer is 7:24:31
